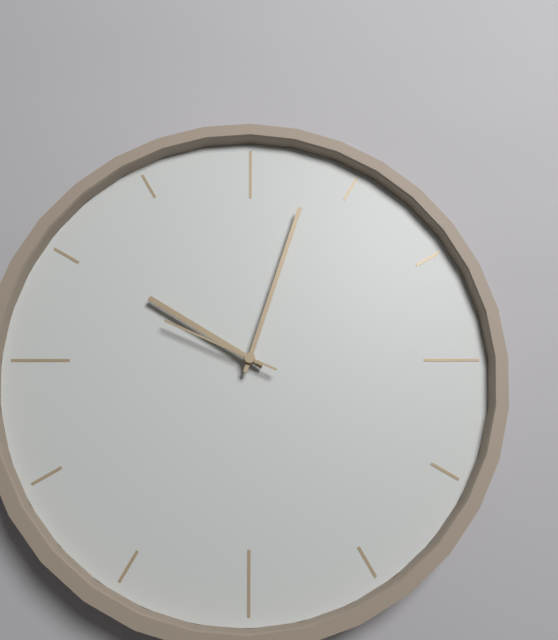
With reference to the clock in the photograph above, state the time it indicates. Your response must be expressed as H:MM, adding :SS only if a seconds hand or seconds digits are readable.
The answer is 10:03:49
